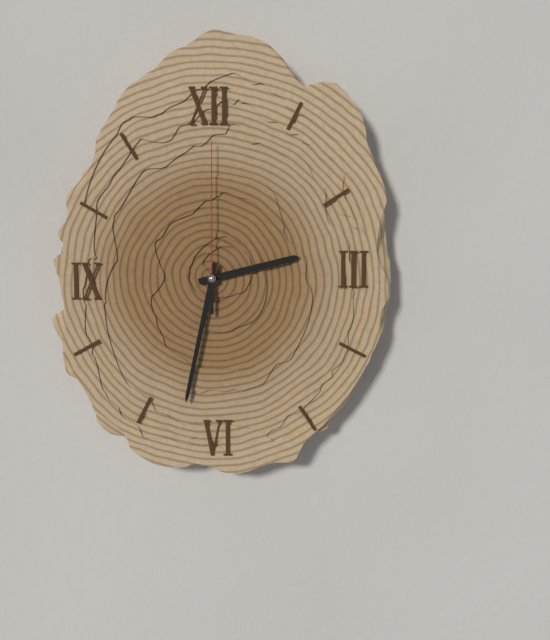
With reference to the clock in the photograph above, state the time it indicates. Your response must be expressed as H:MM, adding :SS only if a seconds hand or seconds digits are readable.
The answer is 2:32:00
